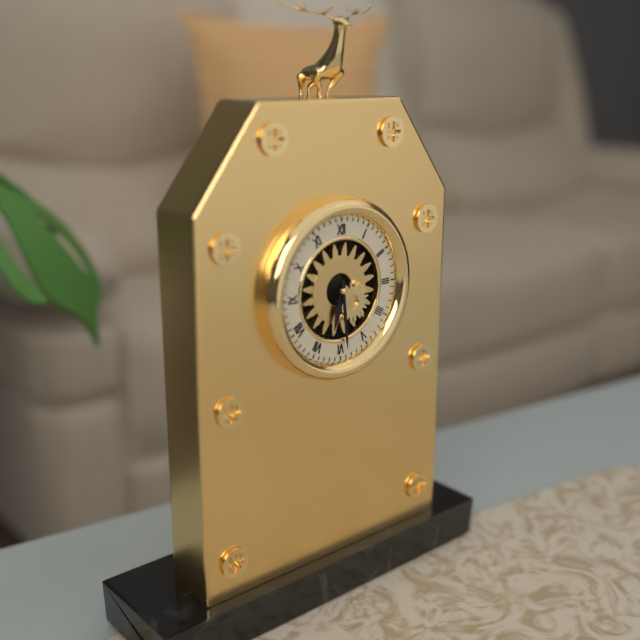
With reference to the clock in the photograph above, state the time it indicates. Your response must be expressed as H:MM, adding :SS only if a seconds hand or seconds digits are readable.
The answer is 6:29
